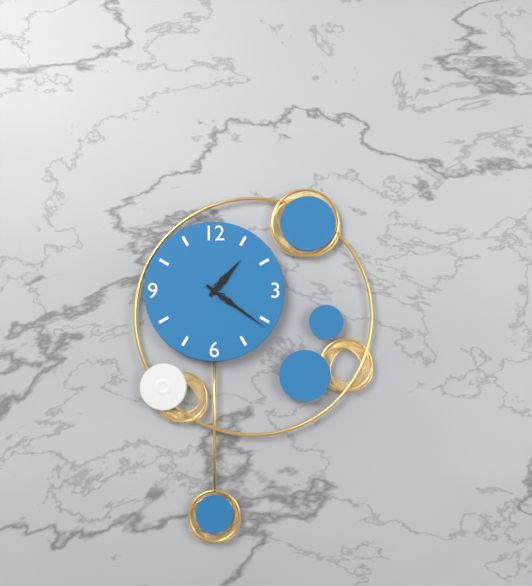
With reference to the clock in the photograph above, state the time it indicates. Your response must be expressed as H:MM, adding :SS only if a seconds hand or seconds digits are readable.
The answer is 1:21
